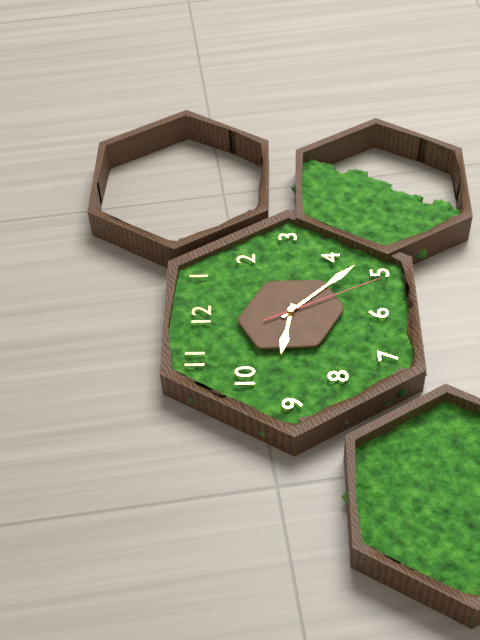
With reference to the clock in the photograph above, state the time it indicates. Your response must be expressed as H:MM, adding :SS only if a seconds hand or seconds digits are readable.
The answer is 9:23:26
